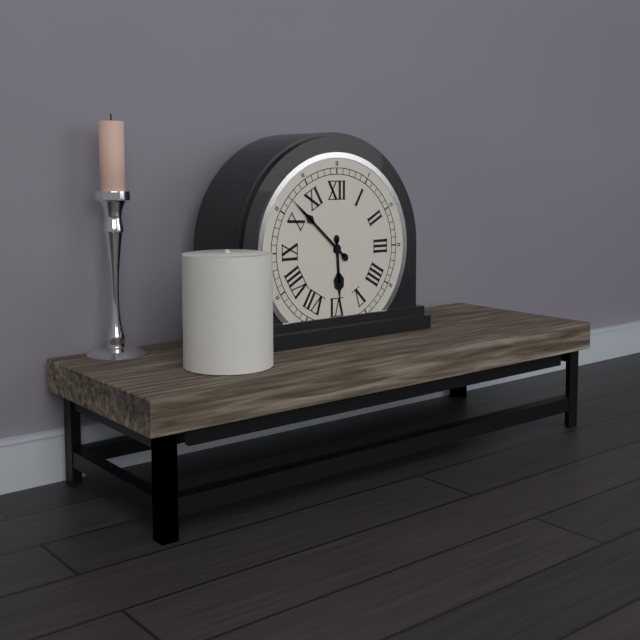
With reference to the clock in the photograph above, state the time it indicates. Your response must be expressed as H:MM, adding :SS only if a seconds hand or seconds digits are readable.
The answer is 5:52
